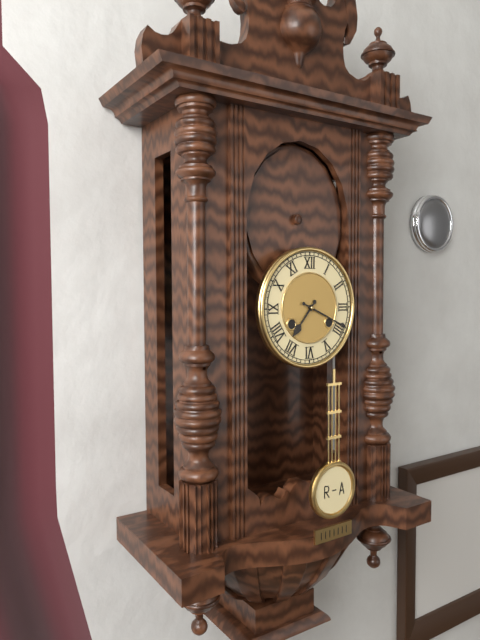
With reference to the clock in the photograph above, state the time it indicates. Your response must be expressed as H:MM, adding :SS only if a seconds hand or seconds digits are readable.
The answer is 7:19
